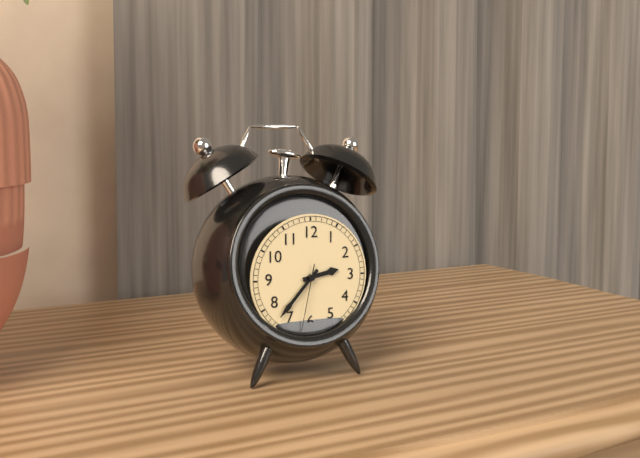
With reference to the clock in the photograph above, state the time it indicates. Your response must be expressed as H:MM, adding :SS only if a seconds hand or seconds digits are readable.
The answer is 2:37:32
